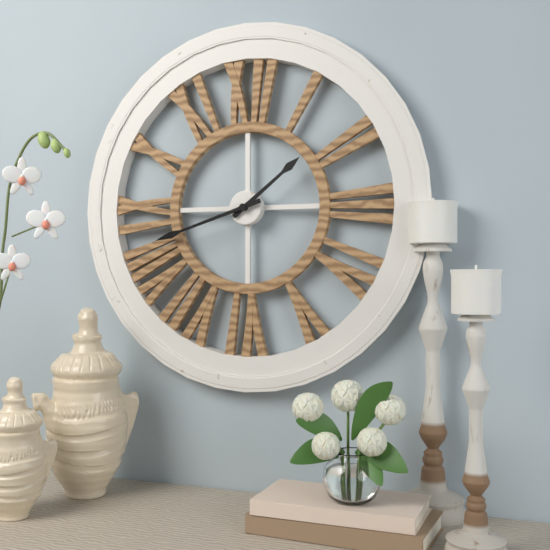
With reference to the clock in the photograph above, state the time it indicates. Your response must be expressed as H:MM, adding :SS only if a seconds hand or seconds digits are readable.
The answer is 1:42
